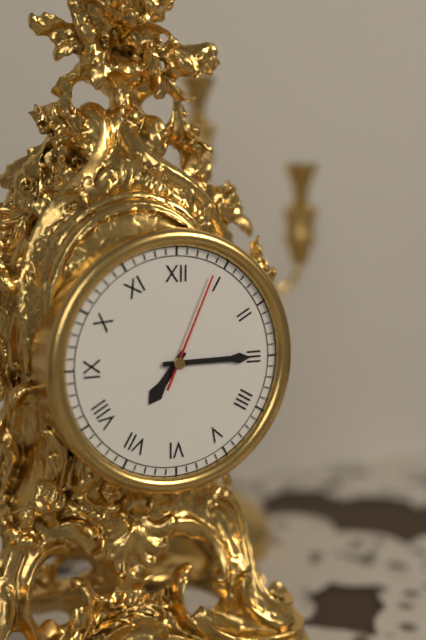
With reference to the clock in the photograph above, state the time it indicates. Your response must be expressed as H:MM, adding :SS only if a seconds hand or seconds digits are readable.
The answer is 7:15:04
